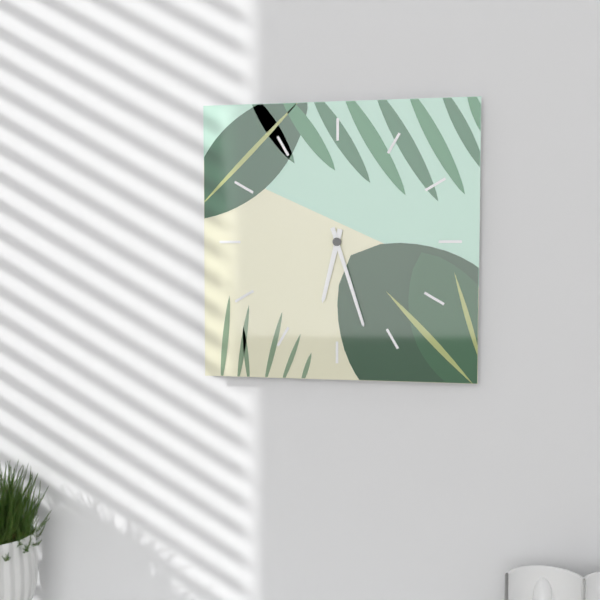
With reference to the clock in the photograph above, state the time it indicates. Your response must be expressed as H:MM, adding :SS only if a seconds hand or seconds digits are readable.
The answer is 6:27
